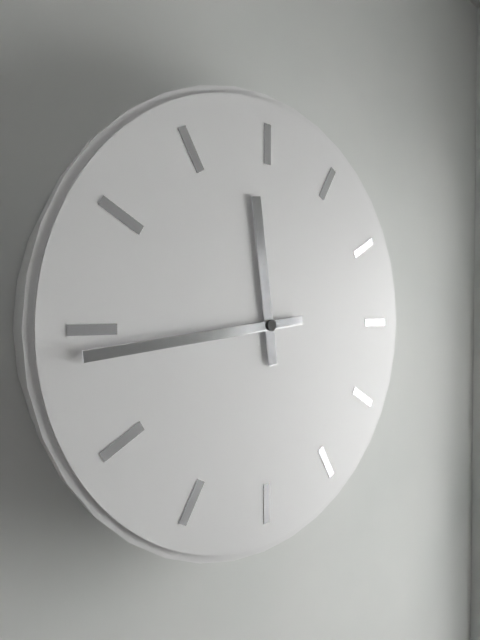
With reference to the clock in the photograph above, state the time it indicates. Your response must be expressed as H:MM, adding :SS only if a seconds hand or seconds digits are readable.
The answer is 11:44
